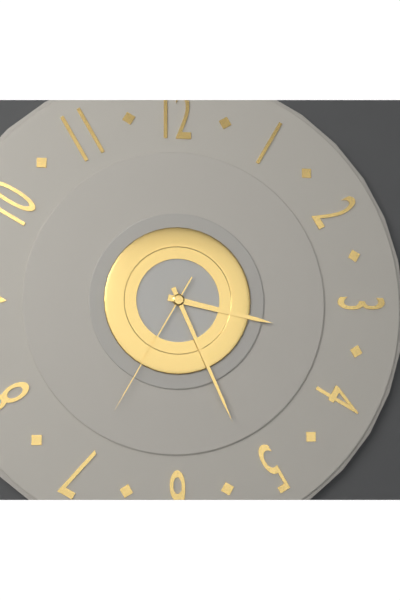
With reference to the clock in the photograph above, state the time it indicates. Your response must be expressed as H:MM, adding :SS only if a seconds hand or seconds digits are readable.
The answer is 3:26:35
